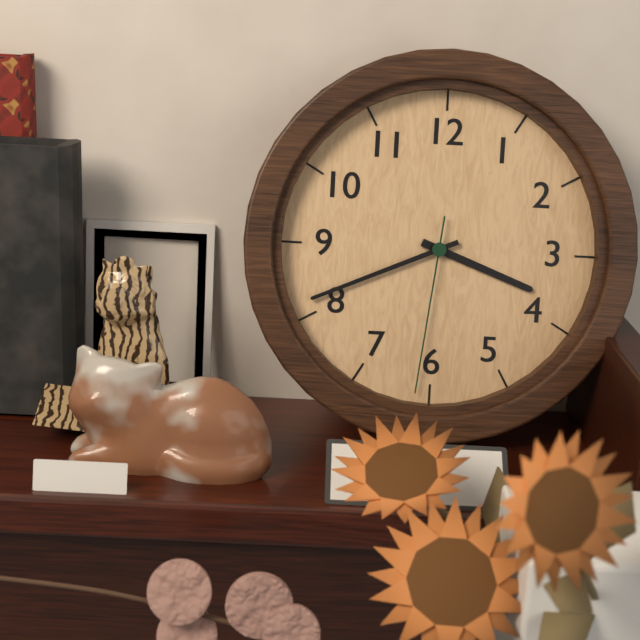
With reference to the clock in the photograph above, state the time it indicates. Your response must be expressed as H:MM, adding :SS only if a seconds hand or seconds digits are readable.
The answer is 3:41:31
